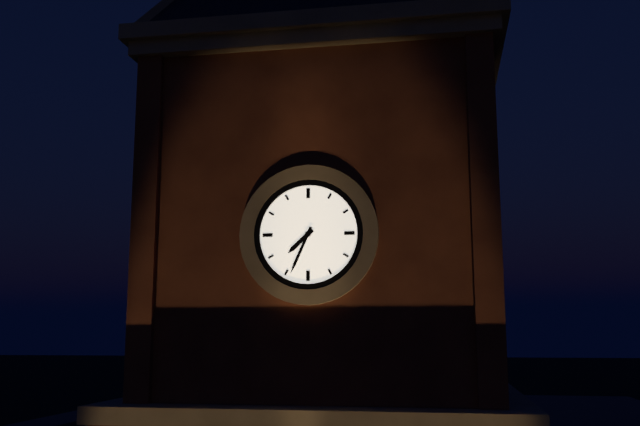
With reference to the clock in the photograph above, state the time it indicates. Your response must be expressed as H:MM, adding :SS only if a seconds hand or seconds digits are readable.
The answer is 7:34
